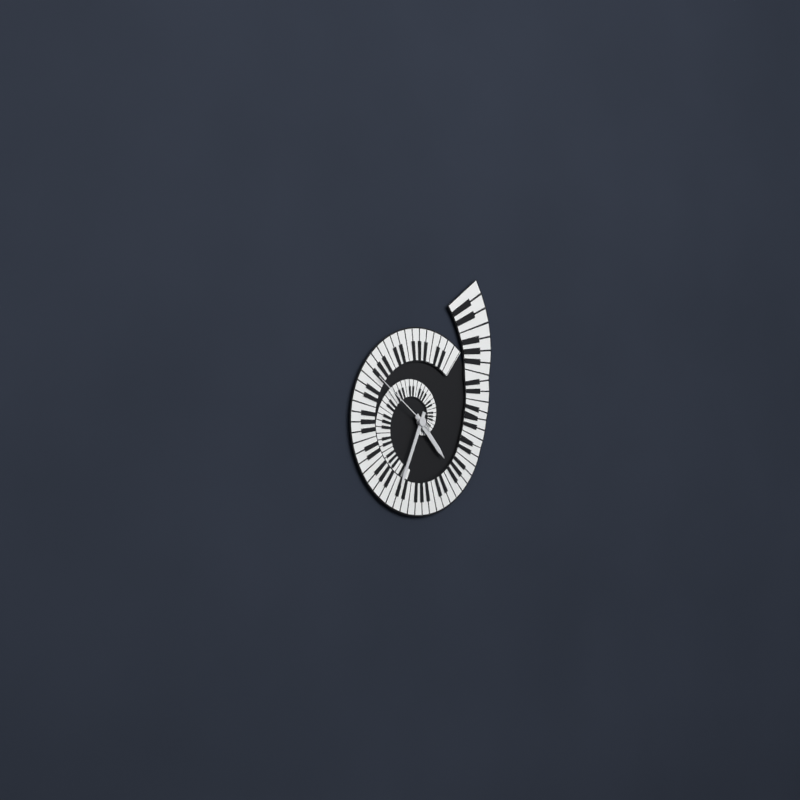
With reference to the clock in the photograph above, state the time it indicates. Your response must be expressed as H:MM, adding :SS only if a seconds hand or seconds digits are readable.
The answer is 4:34:51
